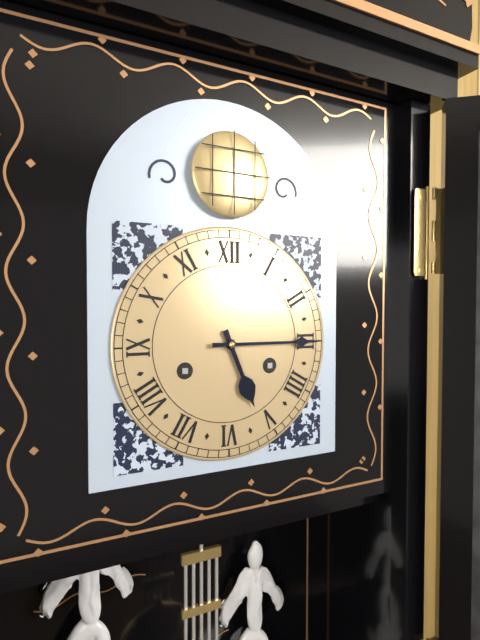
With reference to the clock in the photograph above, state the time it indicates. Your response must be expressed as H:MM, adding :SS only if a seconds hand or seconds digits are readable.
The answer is 5:15
